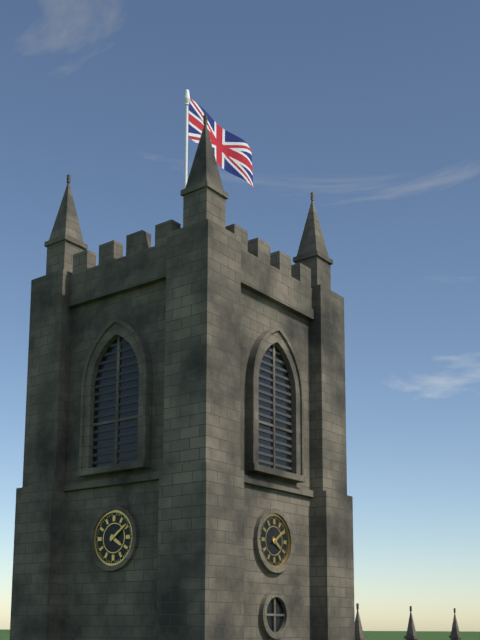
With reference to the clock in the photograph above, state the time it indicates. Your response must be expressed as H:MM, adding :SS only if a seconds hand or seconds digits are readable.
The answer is 4:09
